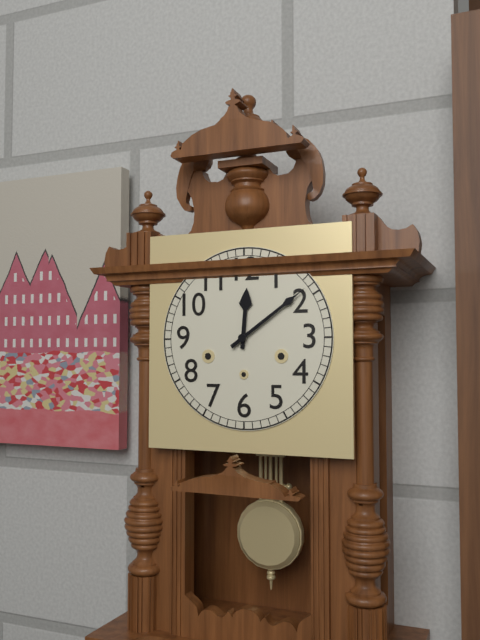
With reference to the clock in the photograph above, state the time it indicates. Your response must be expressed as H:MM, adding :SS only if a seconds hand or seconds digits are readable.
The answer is 12:09
